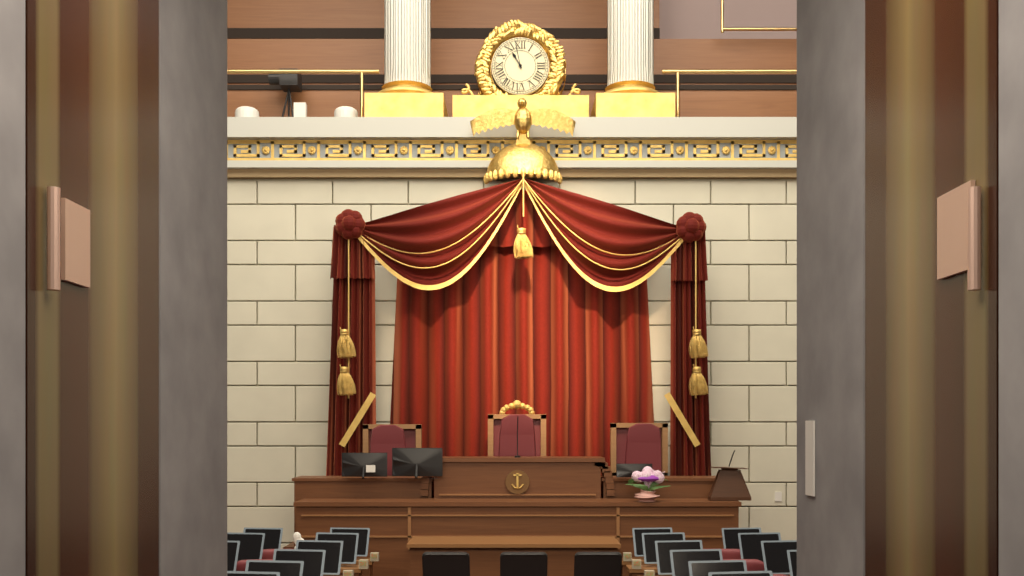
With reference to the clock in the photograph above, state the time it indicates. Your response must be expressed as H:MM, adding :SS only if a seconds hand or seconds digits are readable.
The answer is 10:58
